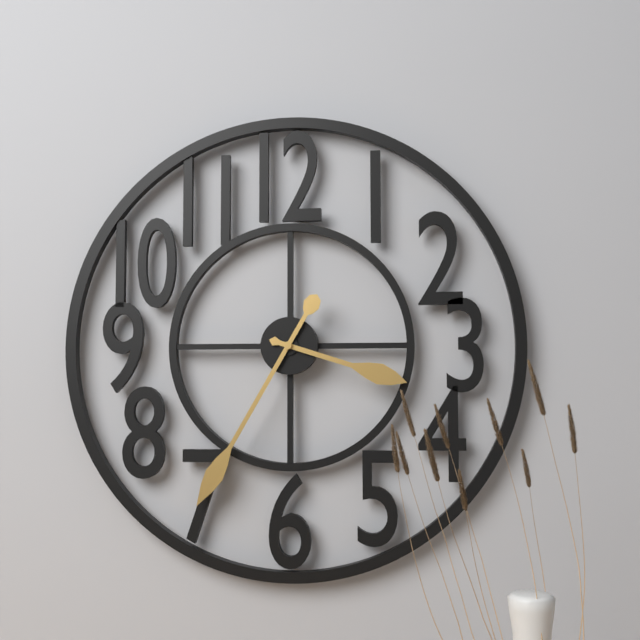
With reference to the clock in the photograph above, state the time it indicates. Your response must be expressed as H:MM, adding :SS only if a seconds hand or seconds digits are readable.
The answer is 3:35
